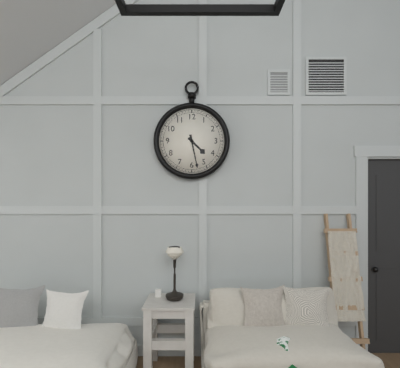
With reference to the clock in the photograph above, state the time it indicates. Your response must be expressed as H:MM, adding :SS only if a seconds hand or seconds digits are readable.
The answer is 4:28
